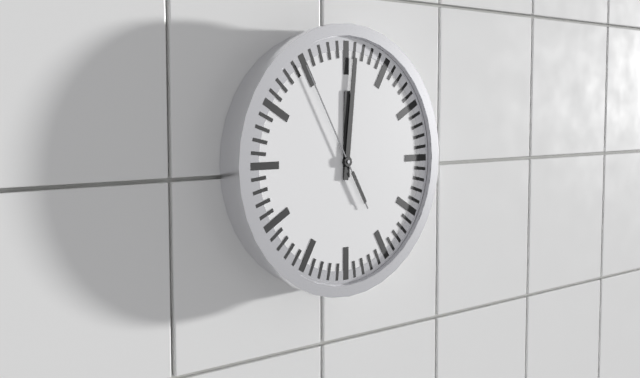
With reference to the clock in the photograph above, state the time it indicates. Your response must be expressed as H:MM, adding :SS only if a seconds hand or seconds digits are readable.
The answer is 12:01:55
